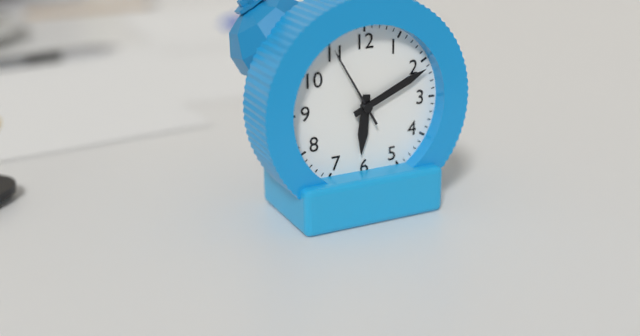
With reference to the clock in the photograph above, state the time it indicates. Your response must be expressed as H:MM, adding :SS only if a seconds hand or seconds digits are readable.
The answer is 6:11:55
